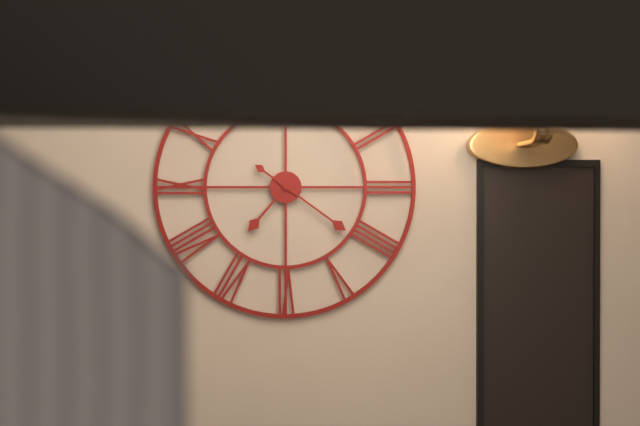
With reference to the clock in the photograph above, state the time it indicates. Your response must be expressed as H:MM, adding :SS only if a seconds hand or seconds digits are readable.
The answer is 7:21
